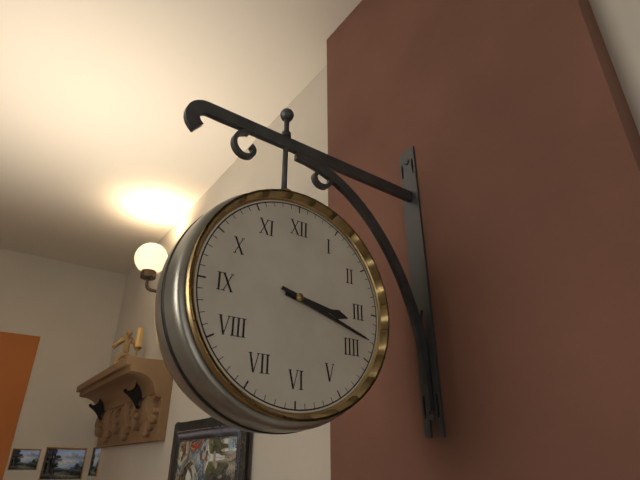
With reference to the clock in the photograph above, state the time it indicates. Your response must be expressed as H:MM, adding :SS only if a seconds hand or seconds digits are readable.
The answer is 3:18
